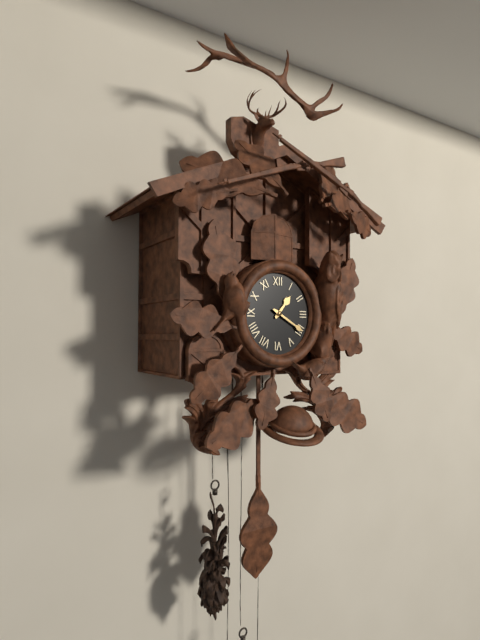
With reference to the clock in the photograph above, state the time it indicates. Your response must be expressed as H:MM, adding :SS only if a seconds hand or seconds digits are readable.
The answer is 1:20
